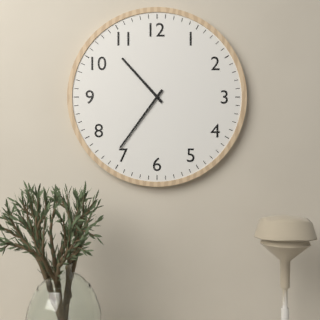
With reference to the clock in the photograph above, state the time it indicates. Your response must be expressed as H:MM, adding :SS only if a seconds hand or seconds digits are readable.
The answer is 10:36
